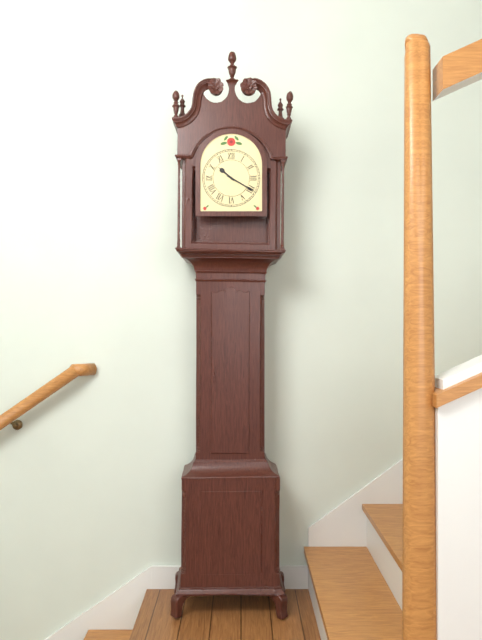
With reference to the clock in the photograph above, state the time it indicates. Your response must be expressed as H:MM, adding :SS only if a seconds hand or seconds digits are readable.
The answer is 10:20
